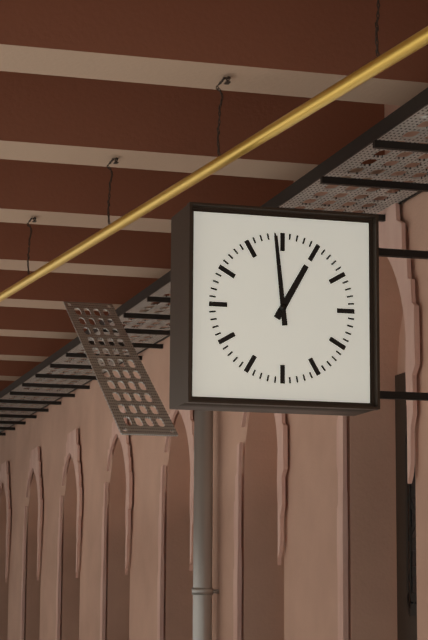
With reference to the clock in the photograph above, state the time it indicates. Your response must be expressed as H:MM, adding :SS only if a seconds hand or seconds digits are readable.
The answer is 12:59
